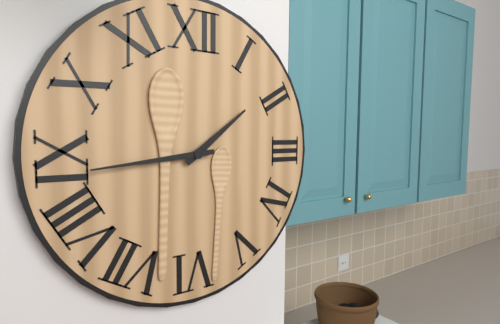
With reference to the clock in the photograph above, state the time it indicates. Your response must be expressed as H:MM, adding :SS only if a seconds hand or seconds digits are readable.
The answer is 1:44
